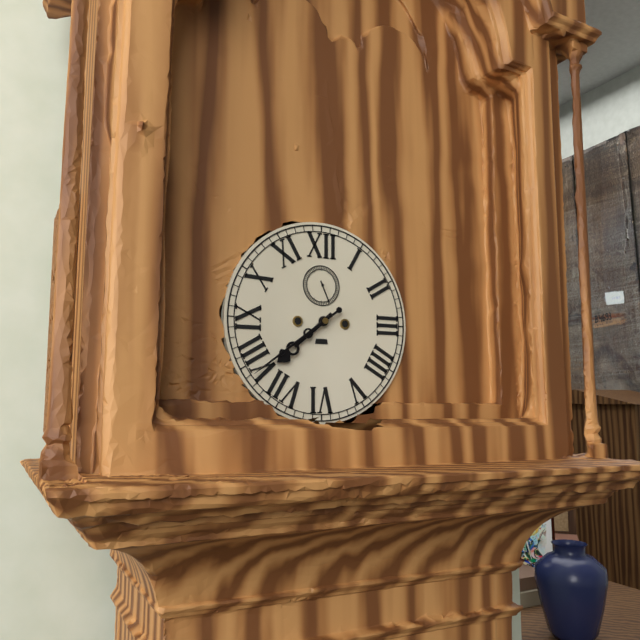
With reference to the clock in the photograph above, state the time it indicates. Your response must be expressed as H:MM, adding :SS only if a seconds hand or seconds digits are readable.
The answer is 7:39
